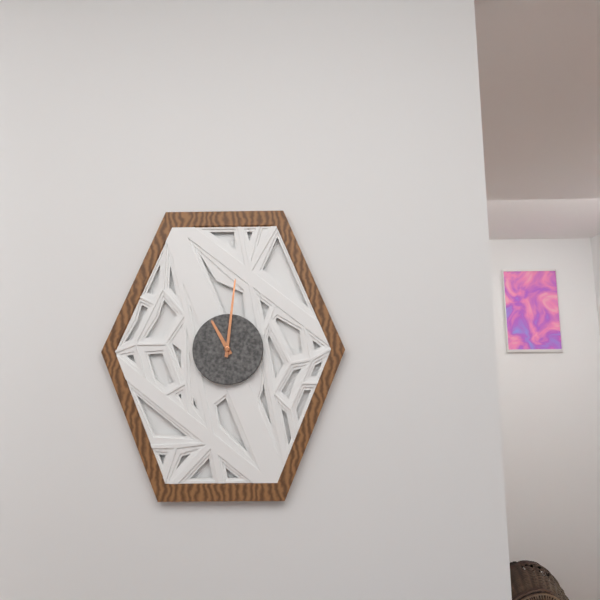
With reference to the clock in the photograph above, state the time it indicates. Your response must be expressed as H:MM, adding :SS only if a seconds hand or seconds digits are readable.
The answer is 11:01
